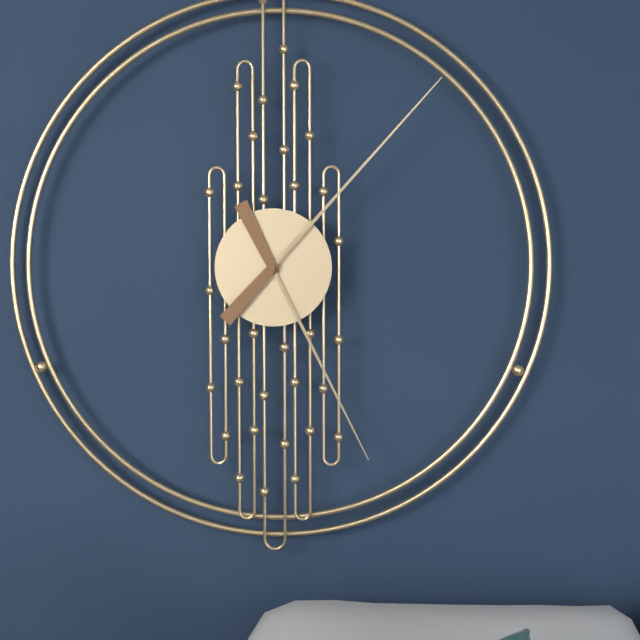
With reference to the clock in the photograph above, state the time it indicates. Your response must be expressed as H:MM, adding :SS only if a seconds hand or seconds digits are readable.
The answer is 5:07
